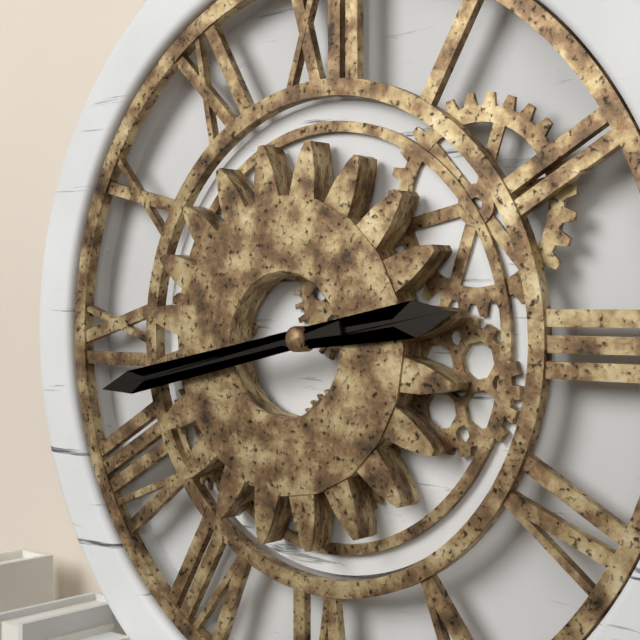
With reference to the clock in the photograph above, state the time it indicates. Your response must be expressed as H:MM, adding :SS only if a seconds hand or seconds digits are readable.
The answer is 2:43
